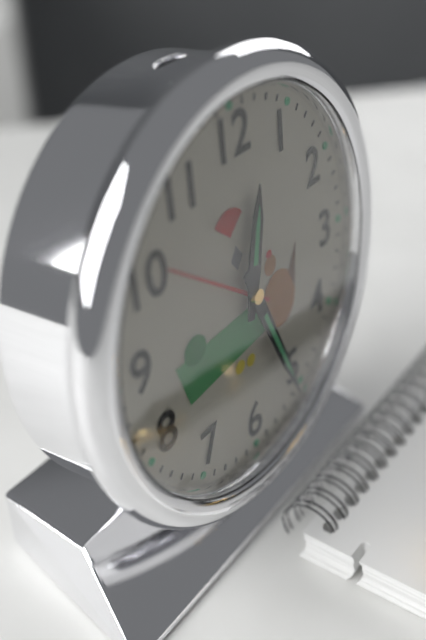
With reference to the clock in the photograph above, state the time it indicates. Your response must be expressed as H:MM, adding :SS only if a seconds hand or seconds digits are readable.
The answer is 12:26
